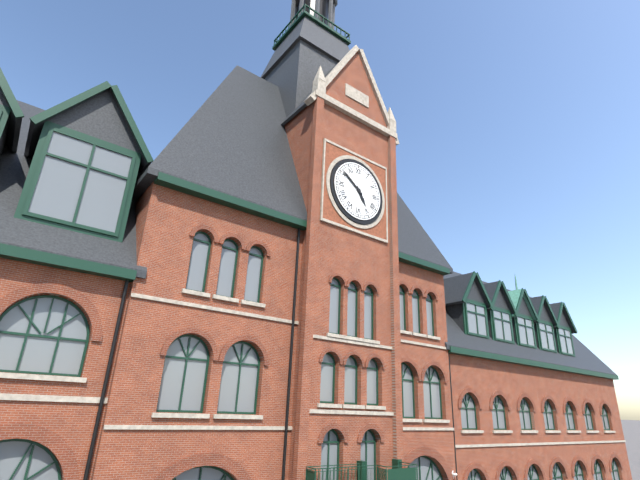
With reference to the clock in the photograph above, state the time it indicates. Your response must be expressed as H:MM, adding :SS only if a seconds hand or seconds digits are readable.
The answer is 4:51
